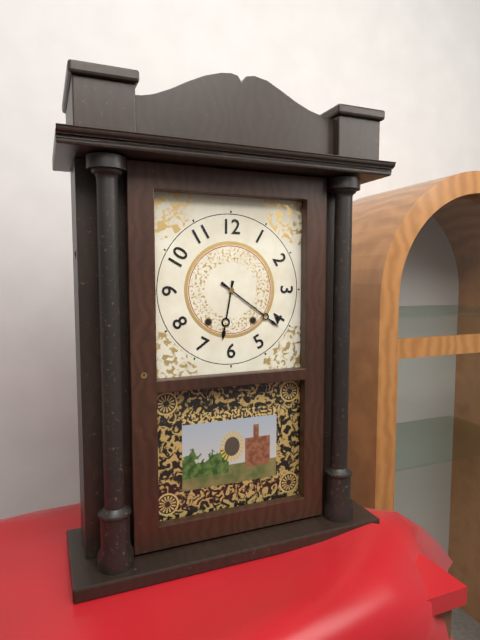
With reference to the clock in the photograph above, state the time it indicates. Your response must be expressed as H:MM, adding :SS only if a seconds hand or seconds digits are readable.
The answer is 6:21
